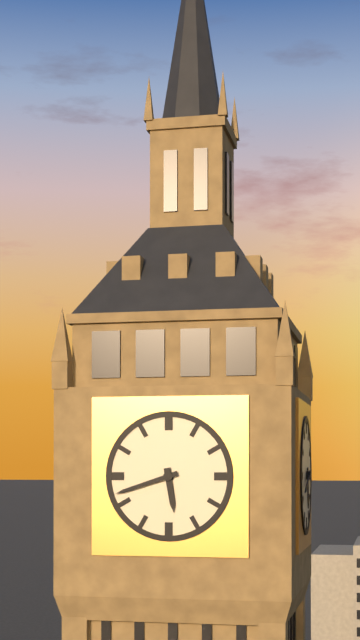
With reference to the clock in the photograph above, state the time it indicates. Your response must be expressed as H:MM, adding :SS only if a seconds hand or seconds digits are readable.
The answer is 5:42
